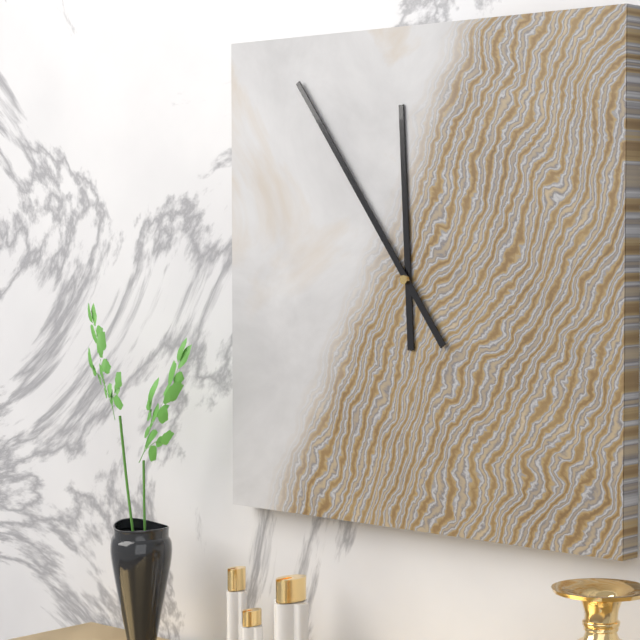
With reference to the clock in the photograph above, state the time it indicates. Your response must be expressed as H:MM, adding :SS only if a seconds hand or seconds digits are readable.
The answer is 11:54
